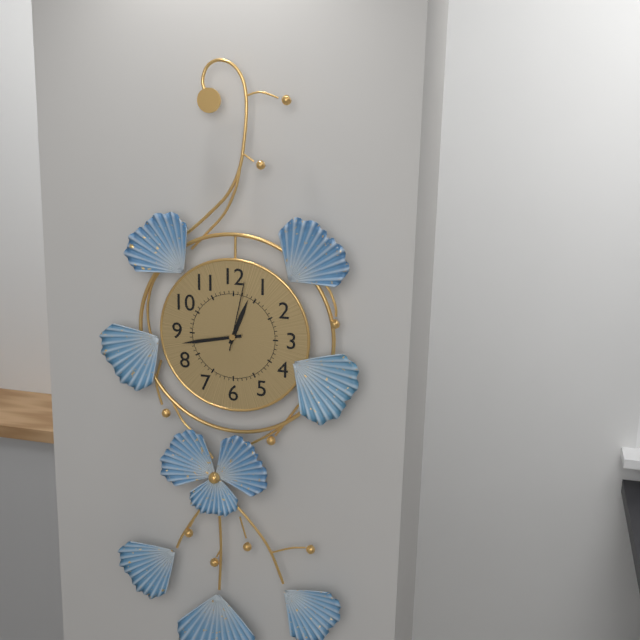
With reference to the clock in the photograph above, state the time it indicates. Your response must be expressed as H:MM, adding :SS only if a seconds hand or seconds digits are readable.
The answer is 12:43:02
